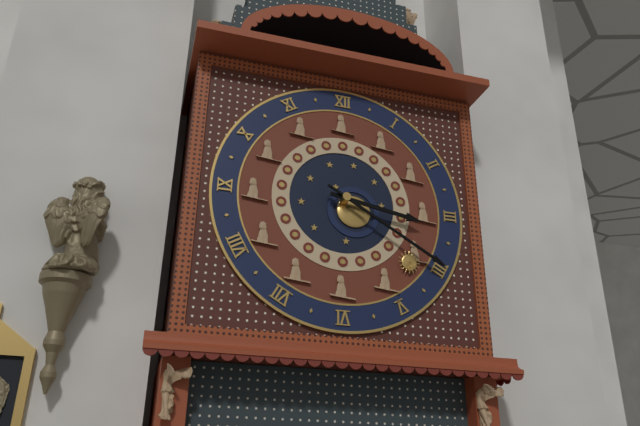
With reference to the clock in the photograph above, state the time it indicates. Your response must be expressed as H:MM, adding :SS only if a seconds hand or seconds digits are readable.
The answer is 3:20
